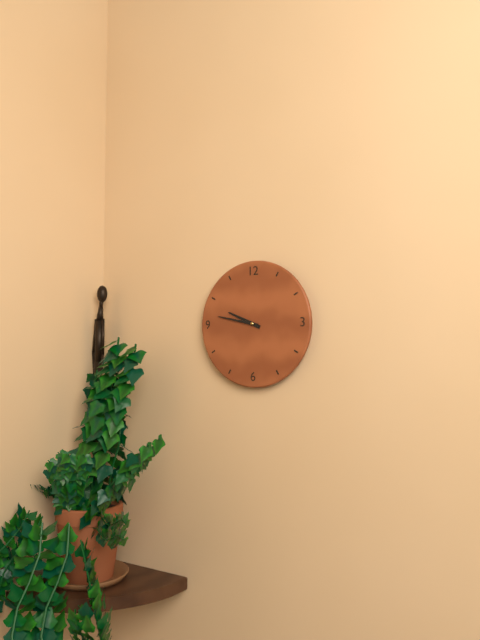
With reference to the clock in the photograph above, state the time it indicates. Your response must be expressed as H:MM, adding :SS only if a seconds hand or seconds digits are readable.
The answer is 9:47
